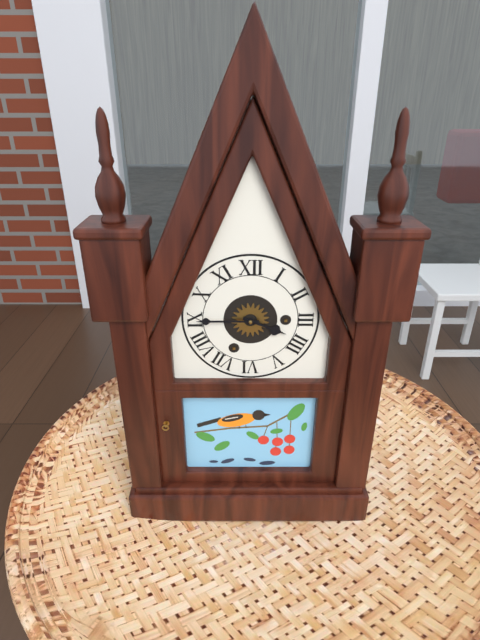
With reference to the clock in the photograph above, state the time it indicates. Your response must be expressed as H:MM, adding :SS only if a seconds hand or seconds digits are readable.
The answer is 3:45
